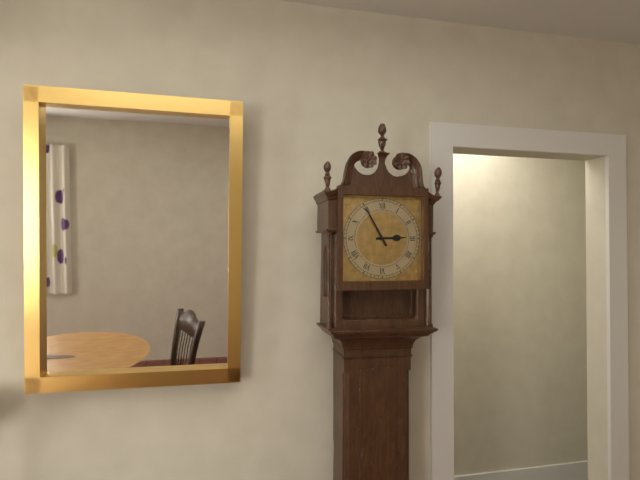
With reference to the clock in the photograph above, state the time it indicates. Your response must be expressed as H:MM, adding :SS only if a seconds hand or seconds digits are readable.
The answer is 2:55
